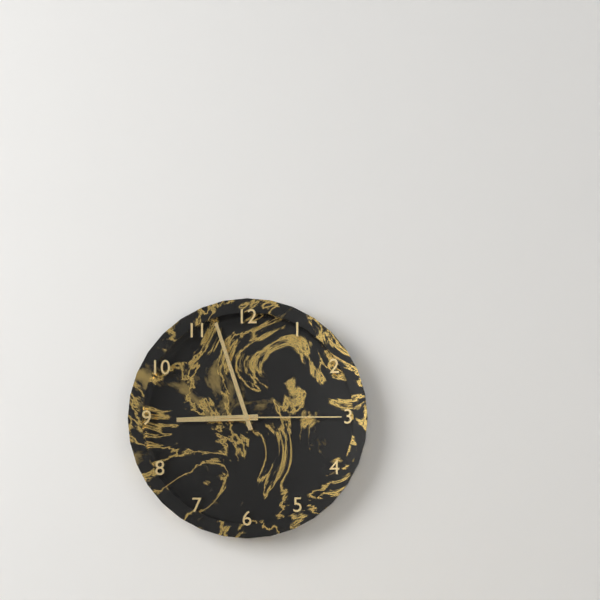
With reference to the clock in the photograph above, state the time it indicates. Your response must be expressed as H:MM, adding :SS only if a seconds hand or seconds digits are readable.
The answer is 8:57:15
